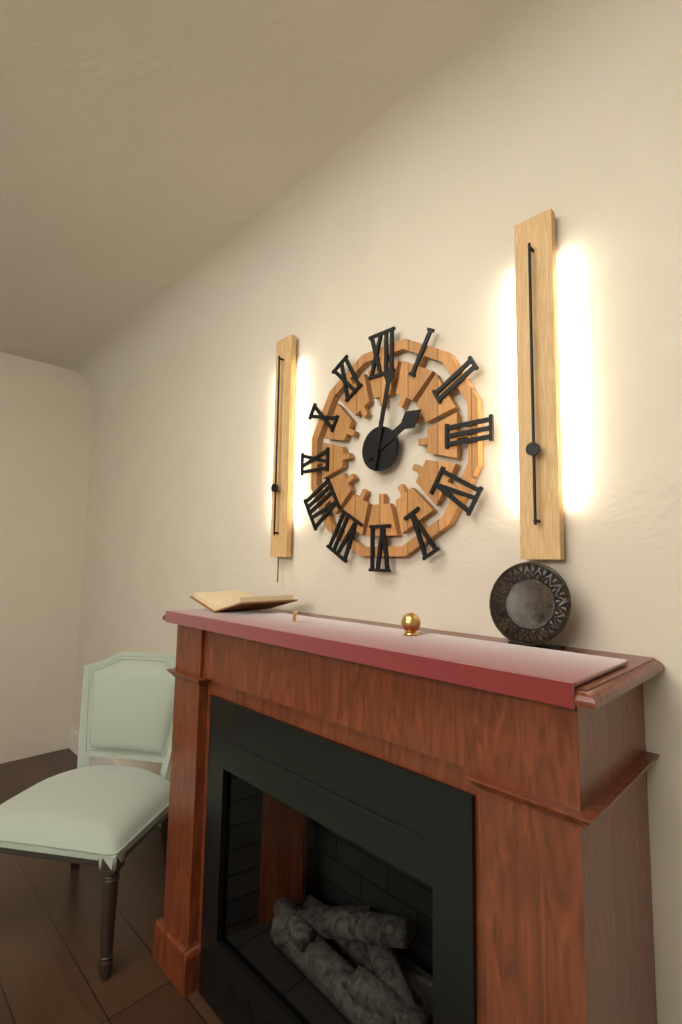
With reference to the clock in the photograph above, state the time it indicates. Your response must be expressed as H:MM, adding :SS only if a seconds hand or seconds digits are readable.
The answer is 2:02
